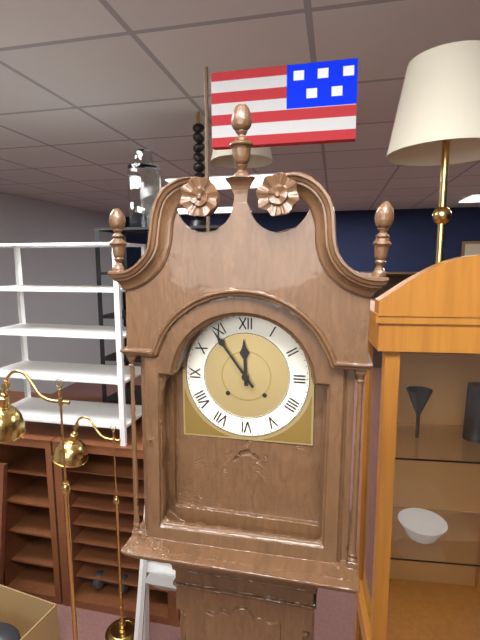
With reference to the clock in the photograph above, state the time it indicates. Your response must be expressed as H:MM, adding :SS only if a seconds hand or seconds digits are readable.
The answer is 11:54
